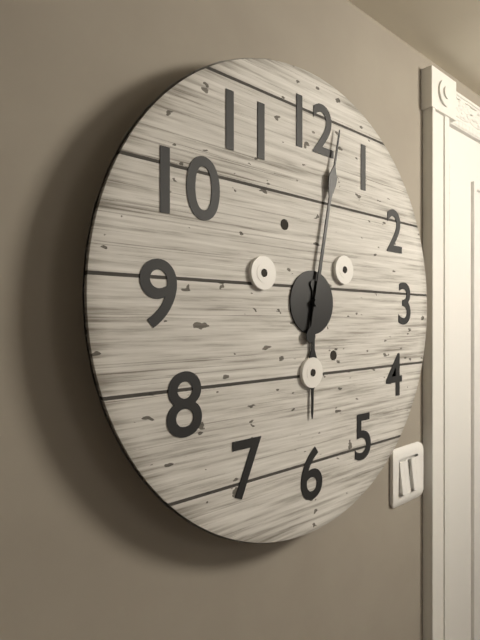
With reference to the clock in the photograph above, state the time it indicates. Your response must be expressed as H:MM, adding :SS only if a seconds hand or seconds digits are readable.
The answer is 6:02
